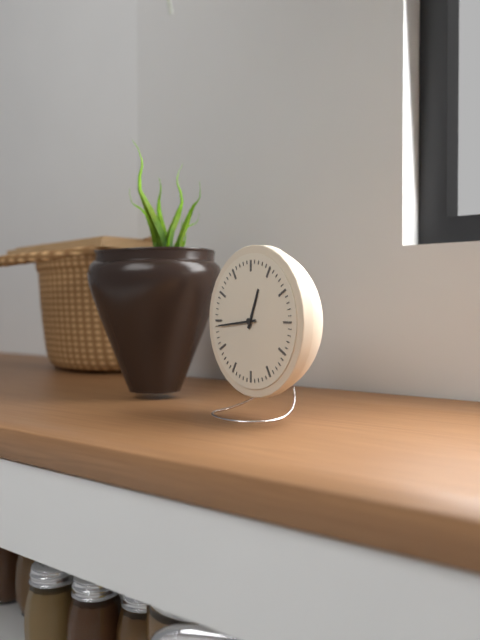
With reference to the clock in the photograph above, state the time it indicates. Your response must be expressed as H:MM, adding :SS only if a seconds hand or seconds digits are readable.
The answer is 12:44
